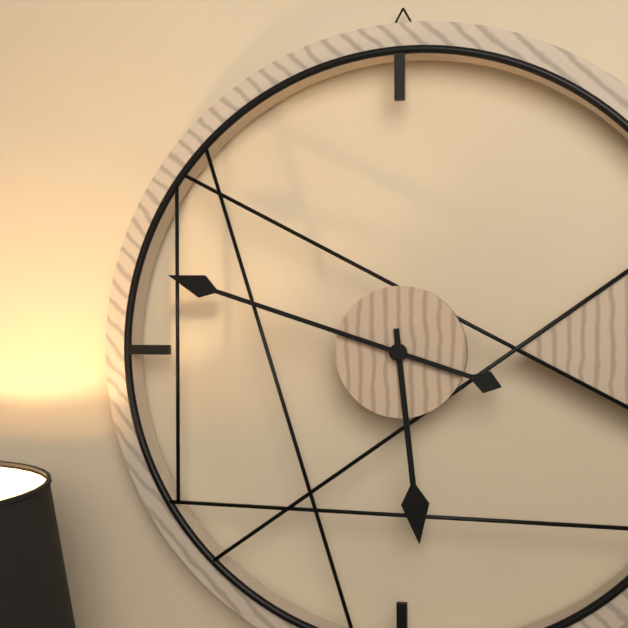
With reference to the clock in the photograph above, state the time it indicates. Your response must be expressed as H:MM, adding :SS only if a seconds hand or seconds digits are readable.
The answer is 5:48
